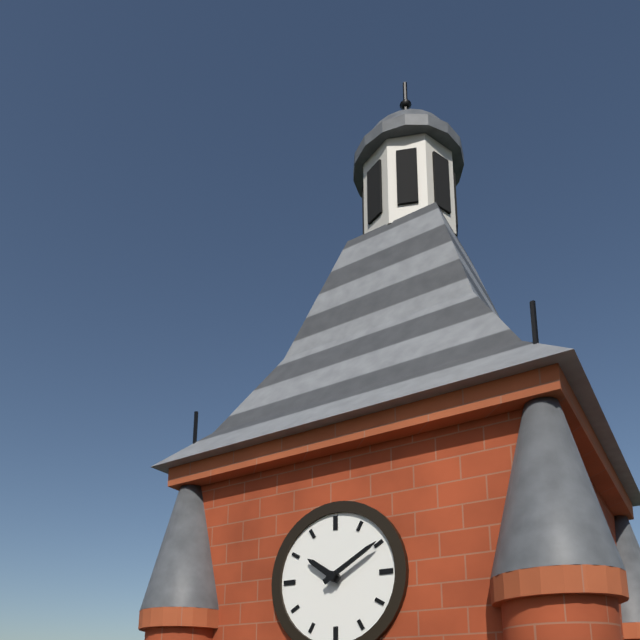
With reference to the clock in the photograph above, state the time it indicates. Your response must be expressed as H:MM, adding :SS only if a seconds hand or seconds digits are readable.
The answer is 10:10
